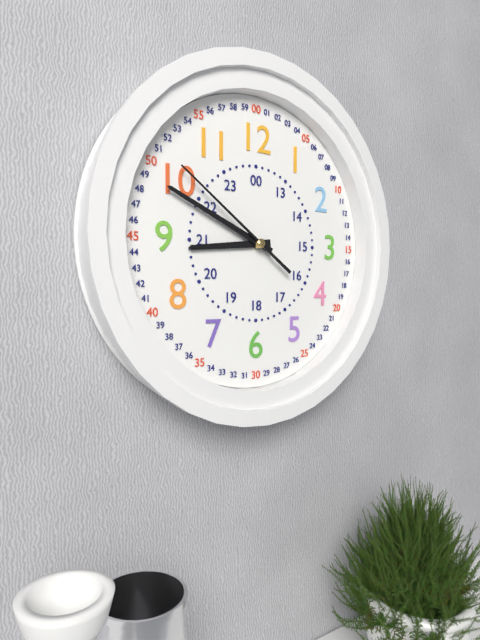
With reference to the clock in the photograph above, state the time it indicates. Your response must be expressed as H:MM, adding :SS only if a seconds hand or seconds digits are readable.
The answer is 8:49:51
